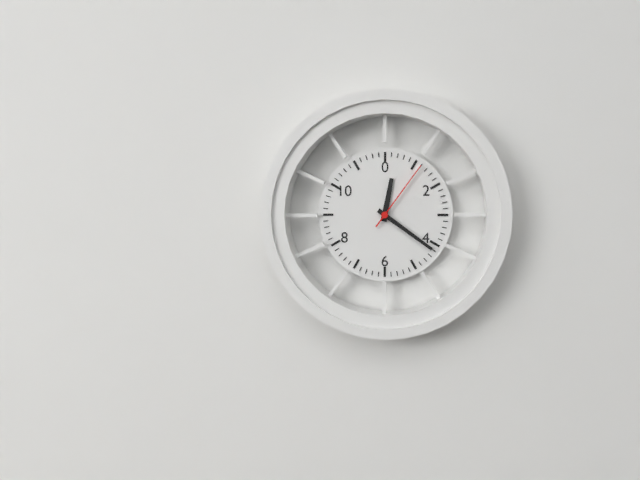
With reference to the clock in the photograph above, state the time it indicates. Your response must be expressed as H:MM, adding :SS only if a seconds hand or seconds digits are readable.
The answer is 12:21:06
